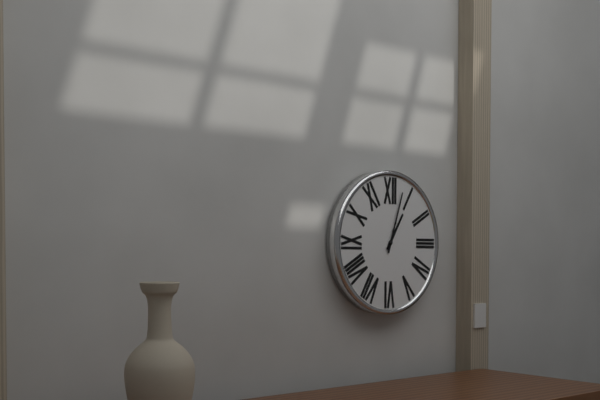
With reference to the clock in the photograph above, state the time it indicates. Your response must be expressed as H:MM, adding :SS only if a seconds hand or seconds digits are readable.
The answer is 1:03
